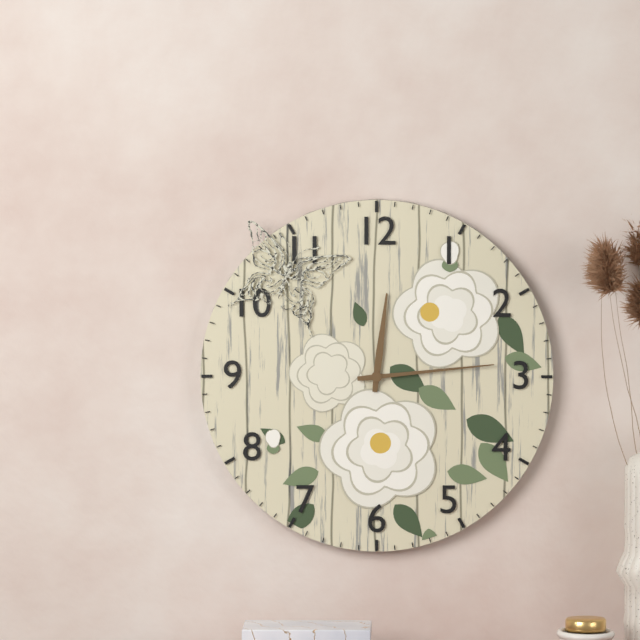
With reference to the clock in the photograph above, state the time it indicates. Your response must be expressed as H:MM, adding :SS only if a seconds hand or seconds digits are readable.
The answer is 12:14
